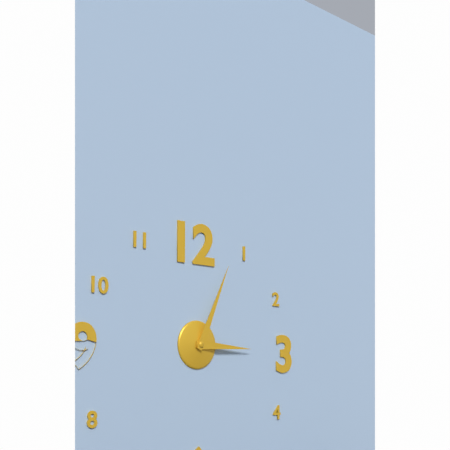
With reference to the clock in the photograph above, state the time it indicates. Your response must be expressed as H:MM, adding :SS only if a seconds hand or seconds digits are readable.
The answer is 3:04
